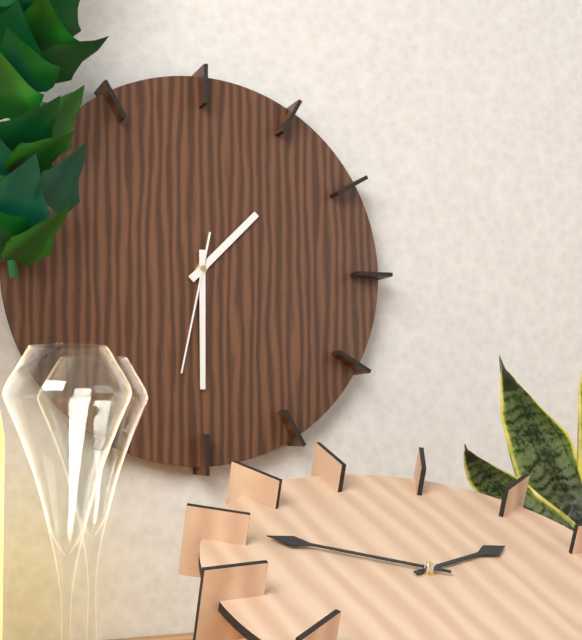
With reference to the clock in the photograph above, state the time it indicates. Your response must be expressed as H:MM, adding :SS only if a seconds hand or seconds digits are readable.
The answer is 1:30:32
